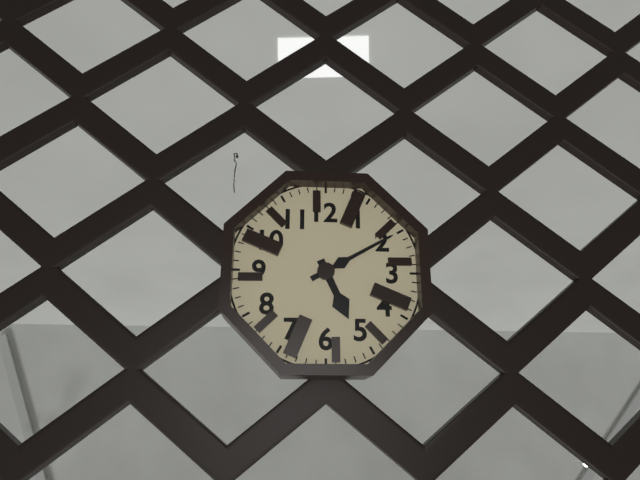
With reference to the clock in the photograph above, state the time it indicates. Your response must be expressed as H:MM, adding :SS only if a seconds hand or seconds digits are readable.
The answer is 5:10
